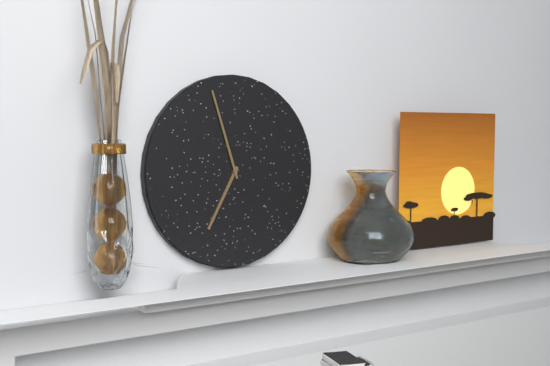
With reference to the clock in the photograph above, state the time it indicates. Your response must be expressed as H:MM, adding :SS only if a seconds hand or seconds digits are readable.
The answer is 6:57
